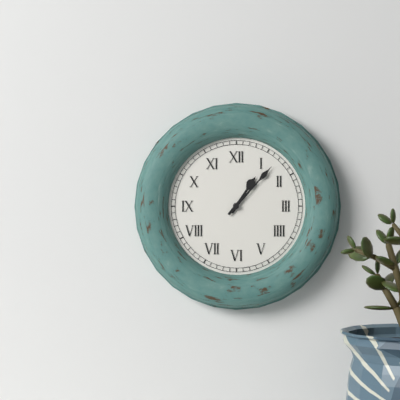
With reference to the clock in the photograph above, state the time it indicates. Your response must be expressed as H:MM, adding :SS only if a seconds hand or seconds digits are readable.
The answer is 1:07
